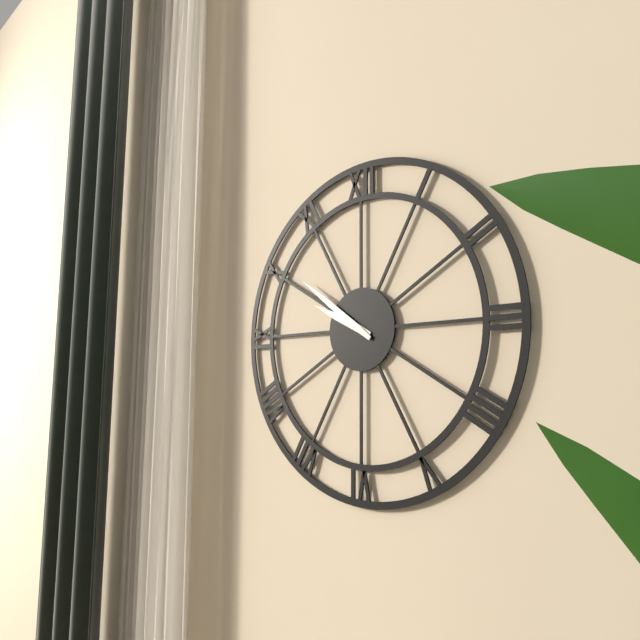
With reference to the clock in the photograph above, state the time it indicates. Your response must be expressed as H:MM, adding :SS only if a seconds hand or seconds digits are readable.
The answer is 9:51
